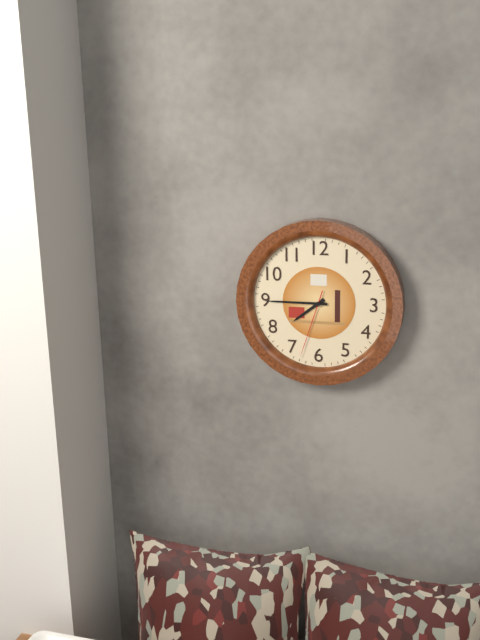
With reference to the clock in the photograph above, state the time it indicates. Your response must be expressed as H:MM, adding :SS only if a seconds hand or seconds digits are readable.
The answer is 7:45:33
